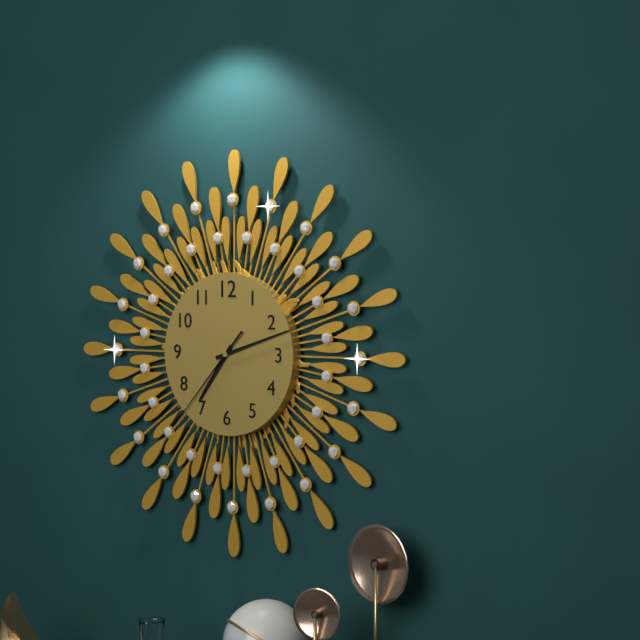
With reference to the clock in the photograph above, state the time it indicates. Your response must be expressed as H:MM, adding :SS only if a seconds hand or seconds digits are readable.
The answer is 7:12:37
